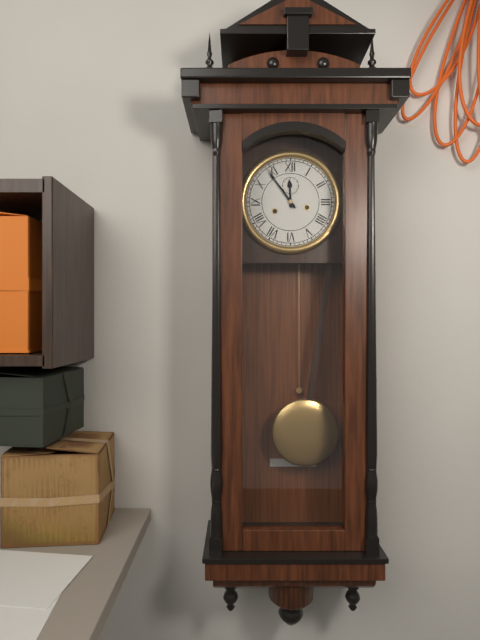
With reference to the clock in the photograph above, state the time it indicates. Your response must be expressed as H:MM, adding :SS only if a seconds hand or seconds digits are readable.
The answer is 11:54
